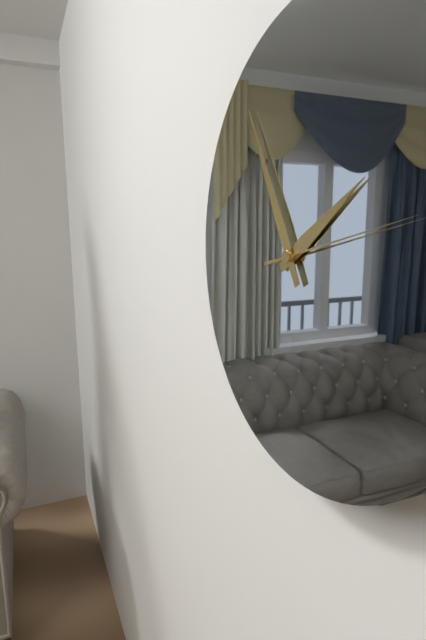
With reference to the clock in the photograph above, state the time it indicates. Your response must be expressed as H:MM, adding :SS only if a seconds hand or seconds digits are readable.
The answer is 1:55:13
